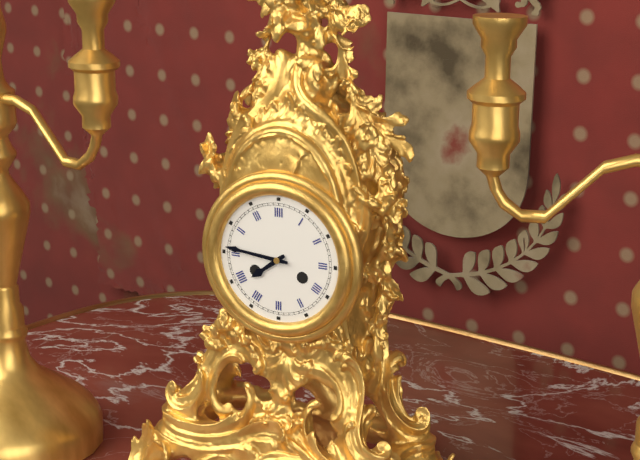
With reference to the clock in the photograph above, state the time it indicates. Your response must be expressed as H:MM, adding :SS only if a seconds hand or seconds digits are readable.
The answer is 7:46
